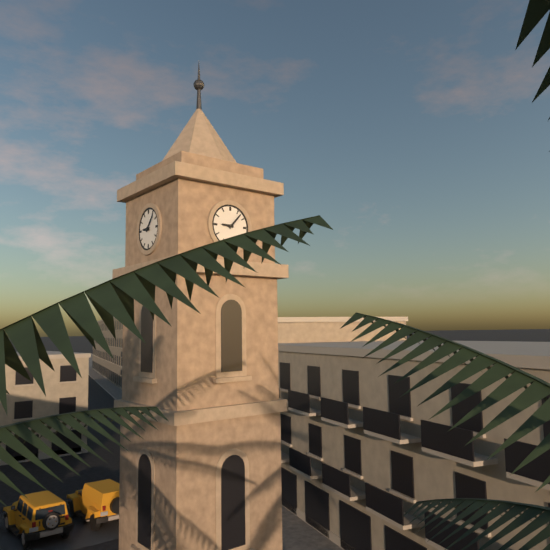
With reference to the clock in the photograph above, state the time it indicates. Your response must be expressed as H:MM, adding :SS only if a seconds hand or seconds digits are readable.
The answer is 9:07
